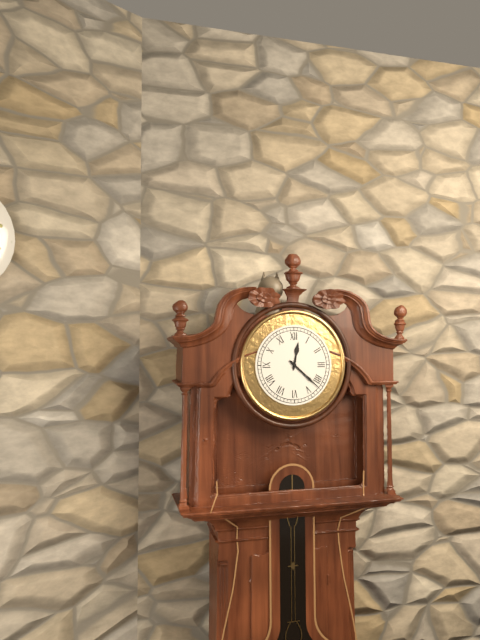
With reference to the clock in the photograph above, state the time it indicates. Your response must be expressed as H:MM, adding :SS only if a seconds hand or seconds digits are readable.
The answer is 12:22
